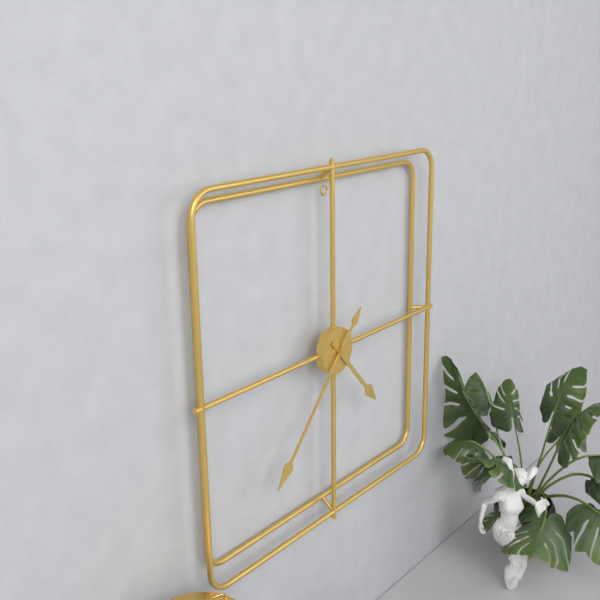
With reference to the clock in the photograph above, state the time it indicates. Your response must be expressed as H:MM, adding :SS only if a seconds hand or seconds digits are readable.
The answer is 4:37
